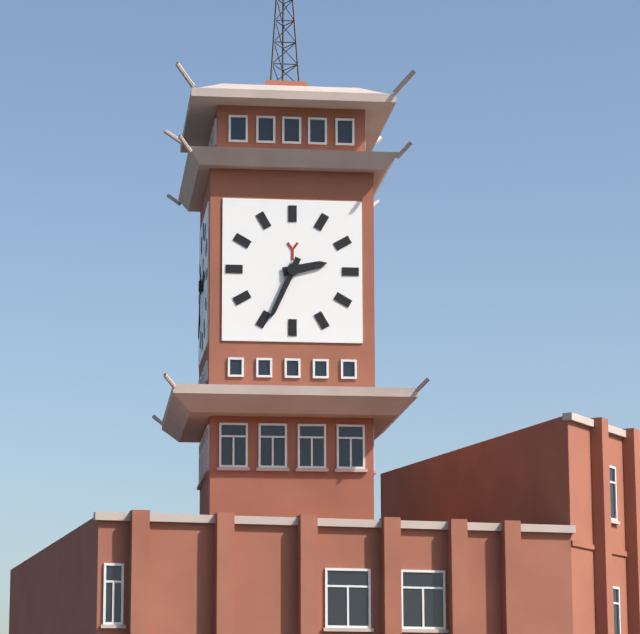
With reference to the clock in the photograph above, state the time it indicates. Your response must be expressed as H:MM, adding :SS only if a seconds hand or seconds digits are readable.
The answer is 2:34
